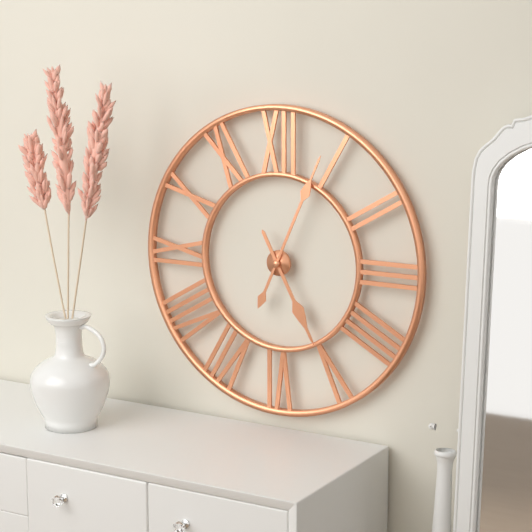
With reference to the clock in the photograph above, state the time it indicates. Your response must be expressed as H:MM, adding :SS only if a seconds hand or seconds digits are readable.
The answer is 5:04
